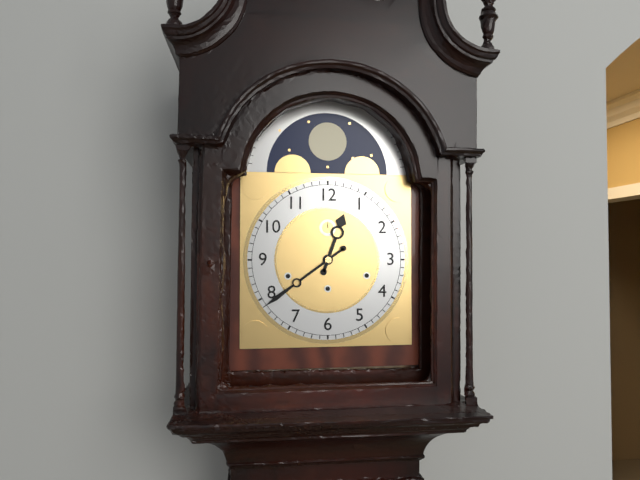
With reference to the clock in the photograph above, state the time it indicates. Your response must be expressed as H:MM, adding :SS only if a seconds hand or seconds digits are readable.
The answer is 12:39
